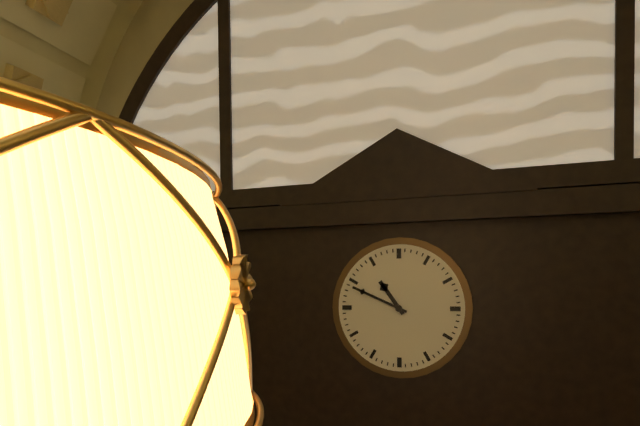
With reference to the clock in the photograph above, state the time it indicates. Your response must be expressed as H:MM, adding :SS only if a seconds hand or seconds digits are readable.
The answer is 10:49
